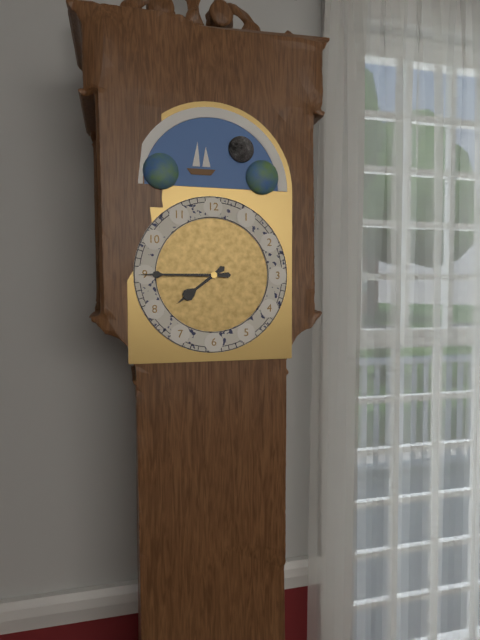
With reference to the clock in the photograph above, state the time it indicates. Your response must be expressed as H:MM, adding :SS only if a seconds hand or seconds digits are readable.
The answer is 7:45
